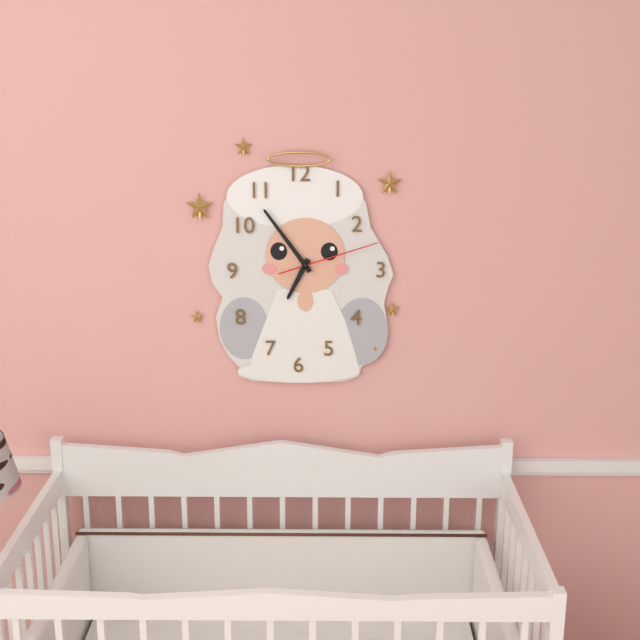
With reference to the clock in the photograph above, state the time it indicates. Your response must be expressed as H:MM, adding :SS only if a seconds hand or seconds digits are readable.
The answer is 6:54:12
